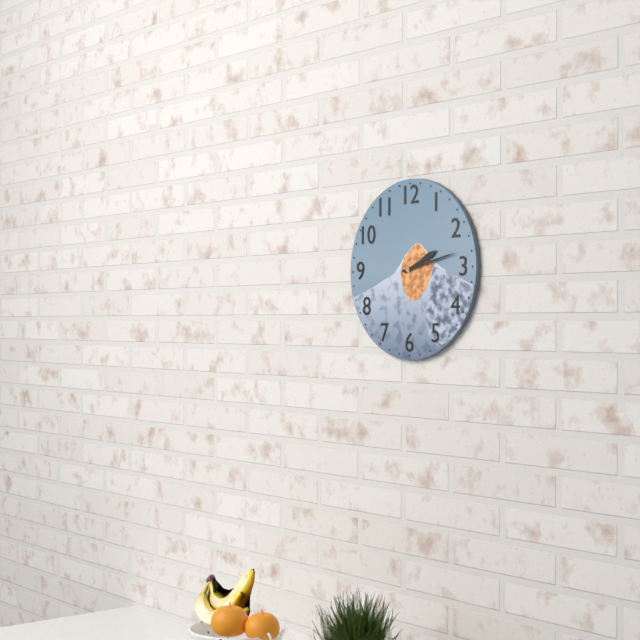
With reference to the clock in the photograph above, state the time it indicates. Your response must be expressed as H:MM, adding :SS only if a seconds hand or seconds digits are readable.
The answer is 2:13
